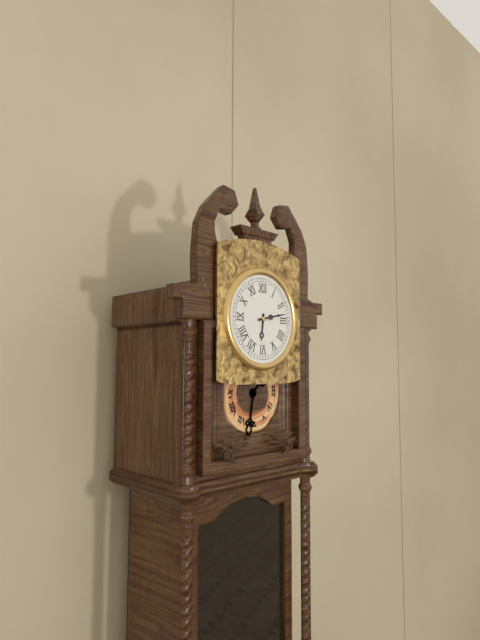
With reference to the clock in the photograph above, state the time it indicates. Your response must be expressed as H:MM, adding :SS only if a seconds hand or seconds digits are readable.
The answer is 6:13
